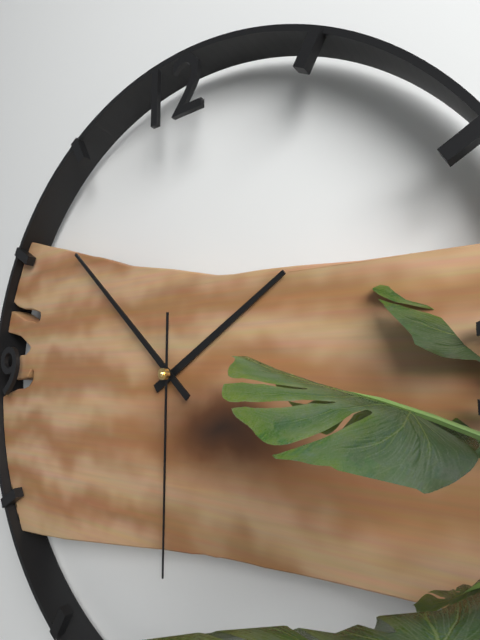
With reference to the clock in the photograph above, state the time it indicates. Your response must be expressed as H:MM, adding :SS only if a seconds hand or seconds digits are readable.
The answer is 1:52:30
